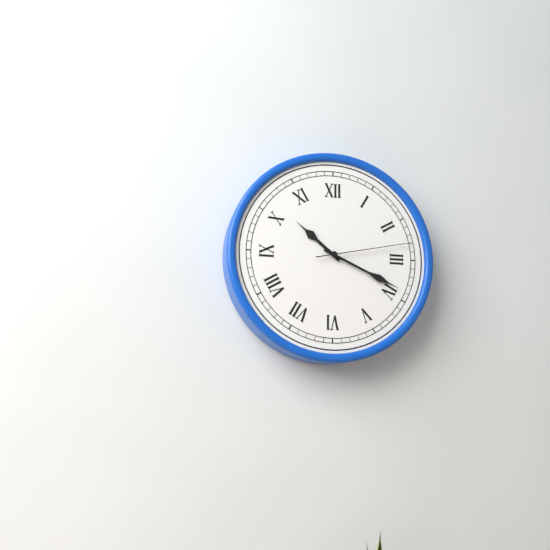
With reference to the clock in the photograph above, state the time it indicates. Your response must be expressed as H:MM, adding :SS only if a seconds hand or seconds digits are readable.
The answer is 10:19:13
